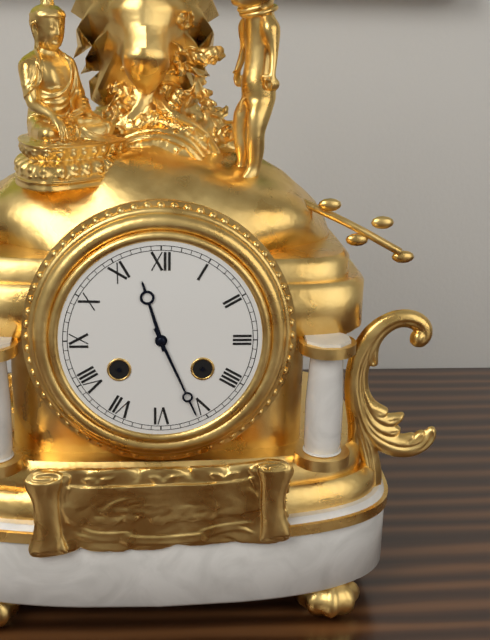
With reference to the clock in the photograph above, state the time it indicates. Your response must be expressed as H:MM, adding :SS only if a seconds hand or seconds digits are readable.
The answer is 11:26
